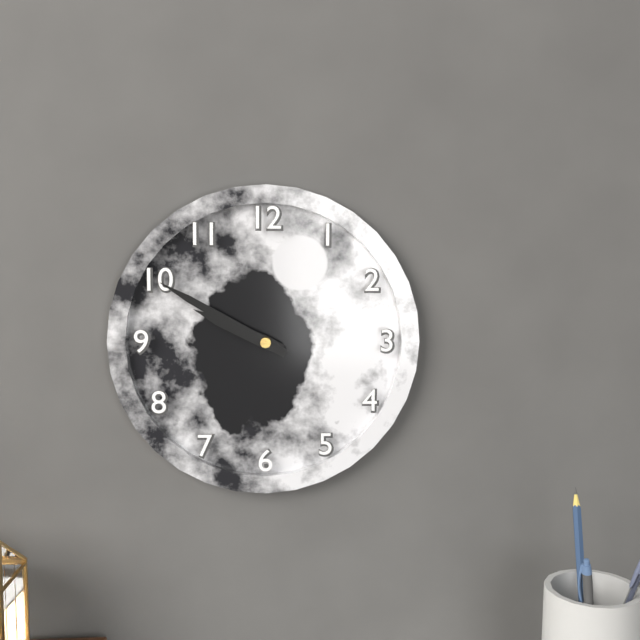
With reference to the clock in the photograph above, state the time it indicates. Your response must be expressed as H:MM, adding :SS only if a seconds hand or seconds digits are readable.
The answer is 9:50
